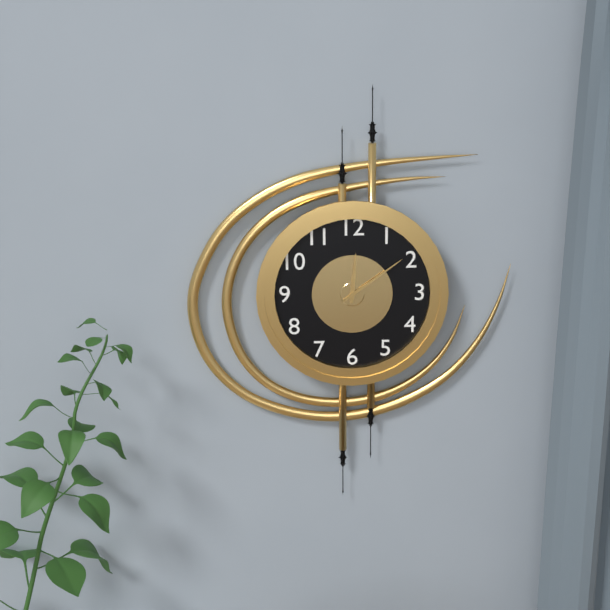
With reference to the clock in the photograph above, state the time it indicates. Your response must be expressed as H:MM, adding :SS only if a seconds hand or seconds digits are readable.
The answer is 12:09
